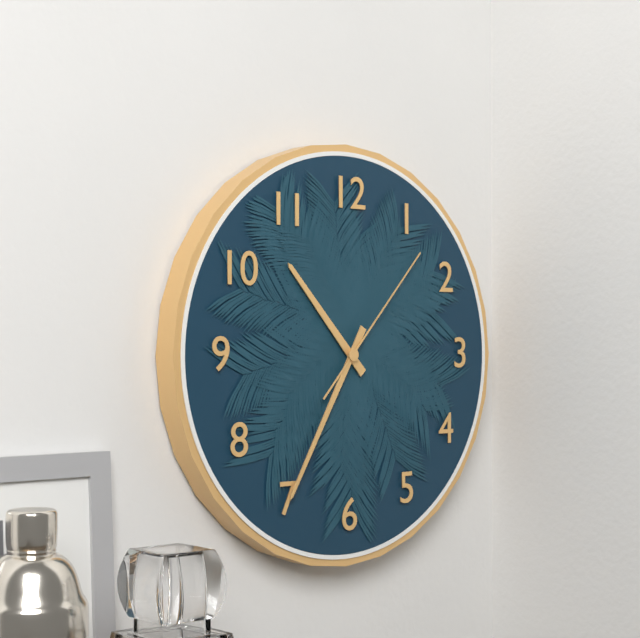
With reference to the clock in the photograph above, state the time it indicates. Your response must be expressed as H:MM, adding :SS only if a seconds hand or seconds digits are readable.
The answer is 10:35:07
